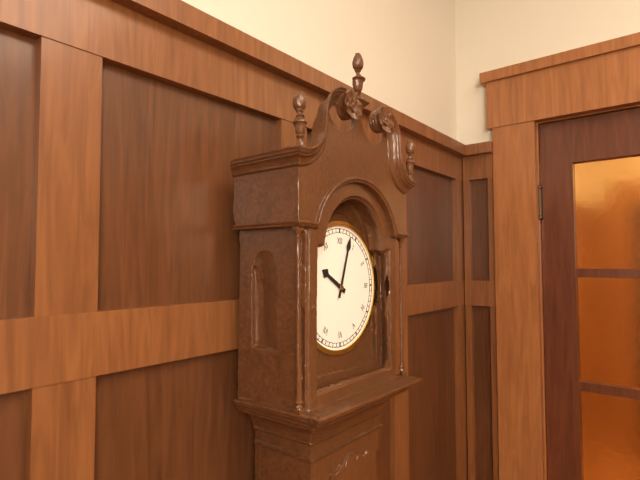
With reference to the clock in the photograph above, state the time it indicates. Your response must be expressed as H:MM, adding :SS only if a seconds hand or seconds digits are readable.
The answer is 10:03
